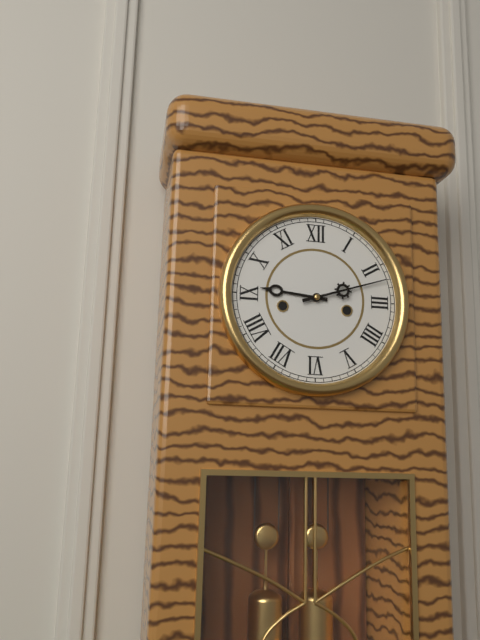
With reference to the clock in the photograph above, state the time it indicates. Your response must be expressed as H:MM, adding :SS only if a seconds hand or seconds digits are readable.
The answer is 9:12
